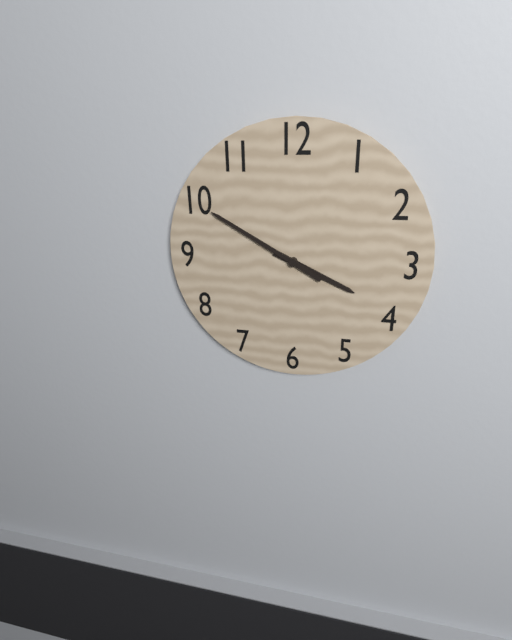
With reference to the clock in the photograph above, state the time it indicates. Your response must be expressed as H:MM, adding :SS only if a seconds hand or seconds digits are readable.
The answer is 3:50
